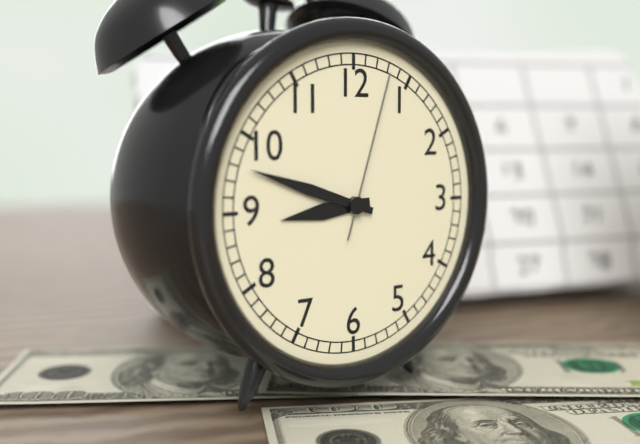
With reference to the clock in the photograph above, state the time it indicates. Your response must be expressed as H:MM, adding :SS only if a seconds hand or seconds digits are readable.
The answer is 8:48:03
